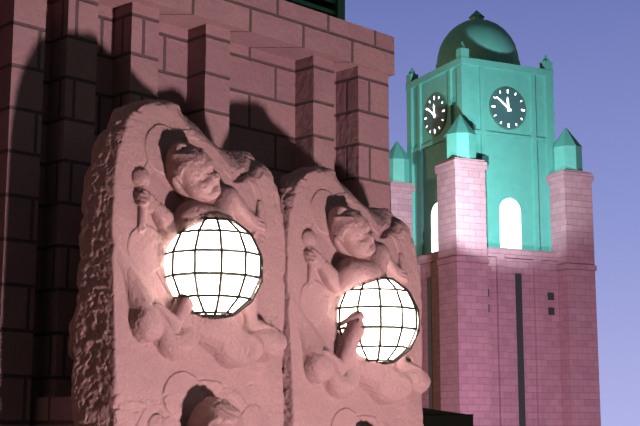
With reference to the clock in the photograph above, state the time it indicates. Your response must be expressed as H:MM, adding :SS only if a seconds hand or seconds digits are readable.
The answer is 11:51
